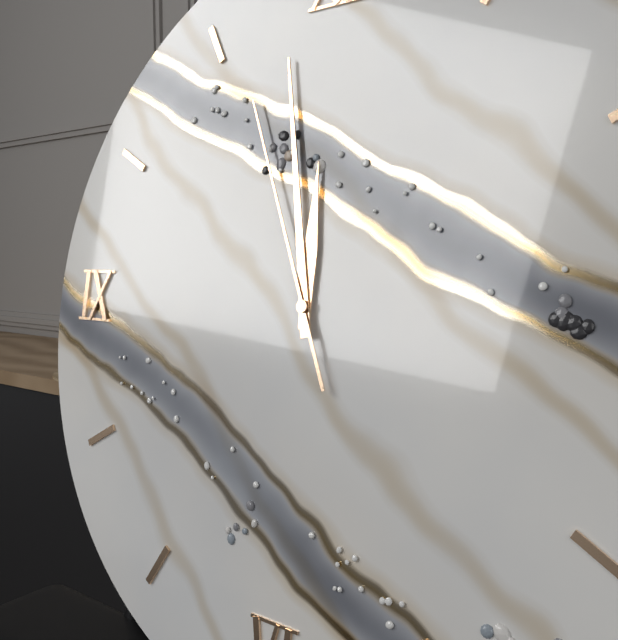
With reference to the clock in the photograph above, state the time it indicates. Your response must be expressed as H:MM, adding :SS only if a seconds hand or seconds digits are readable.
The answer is 11:58:56
